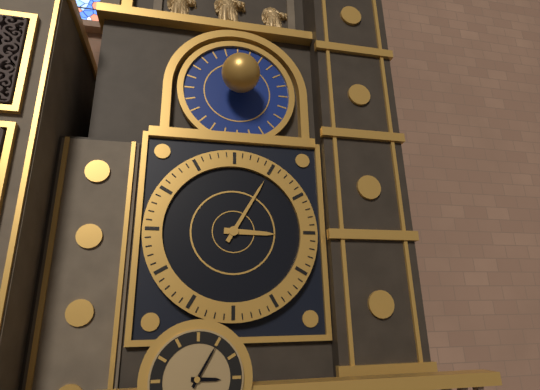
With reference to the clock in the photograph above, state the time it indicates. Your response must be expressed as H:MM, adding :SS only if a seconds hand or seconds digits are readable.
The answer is 3:05
